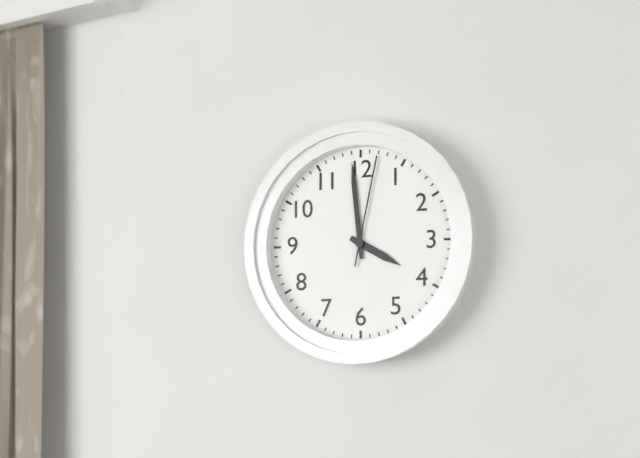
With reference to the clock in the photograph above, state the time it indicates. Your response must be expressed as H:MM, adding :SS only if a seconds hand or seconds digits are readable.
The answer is 3:59:02
